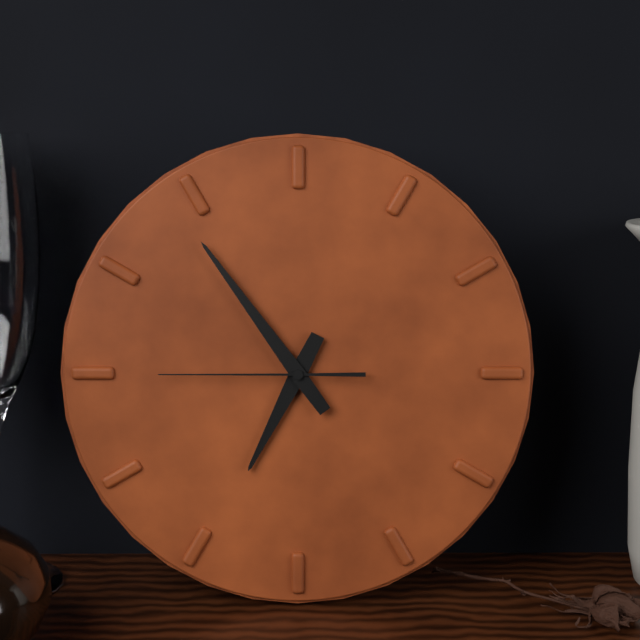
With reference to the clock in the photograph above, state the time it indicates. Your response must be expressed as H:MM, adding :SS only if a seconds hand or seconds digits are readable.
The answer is 6:54:45
